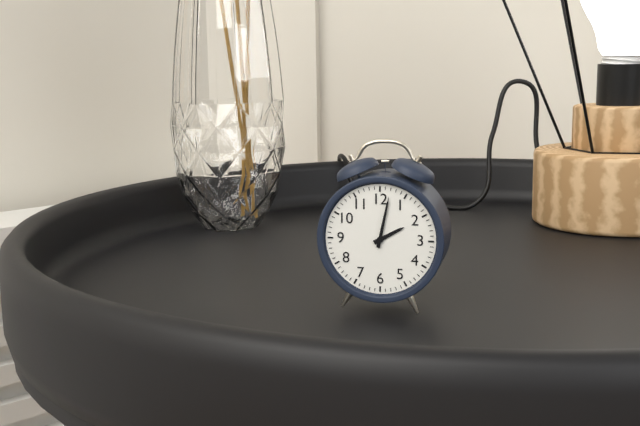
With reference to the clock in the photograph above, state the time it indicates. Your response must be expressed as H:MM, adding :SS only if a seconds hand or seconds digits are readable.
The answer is 2:02
